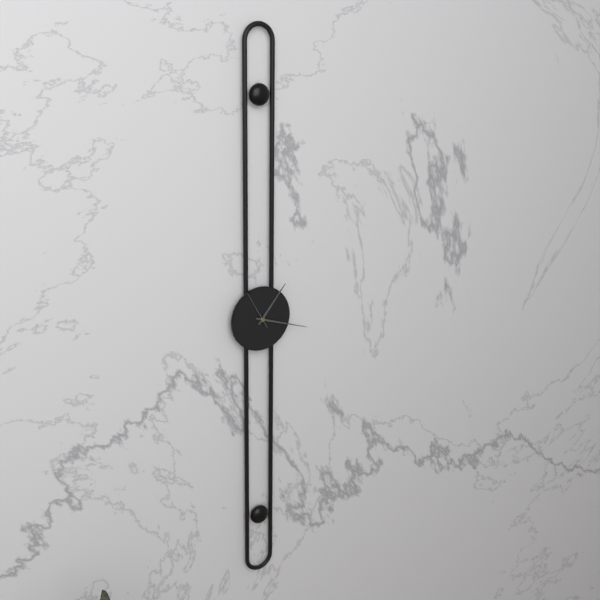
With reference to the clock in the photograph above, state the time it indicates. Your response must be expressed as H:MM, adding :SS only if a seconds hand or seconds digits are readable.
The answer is 1:18
